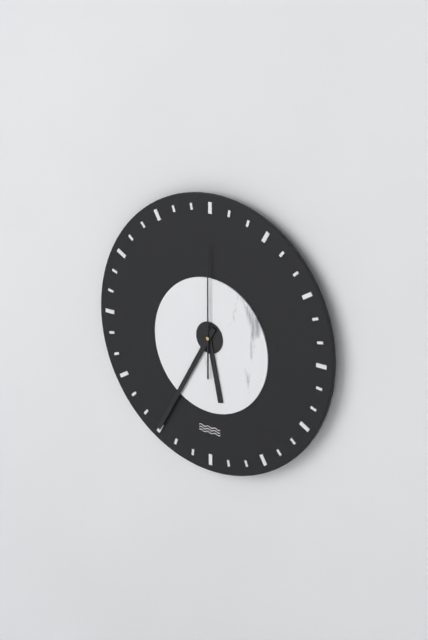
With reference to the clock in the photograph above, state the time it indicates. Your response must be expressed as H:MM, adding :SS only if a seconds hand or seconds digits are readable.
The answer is 5:35:00
